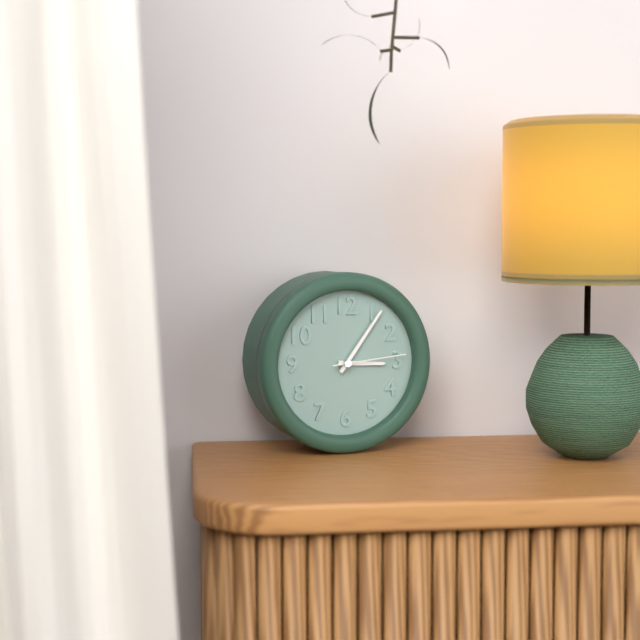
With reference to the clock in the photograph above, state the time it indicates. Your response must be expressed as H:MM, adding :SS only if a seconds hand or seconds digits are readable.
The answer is 3:06:14
